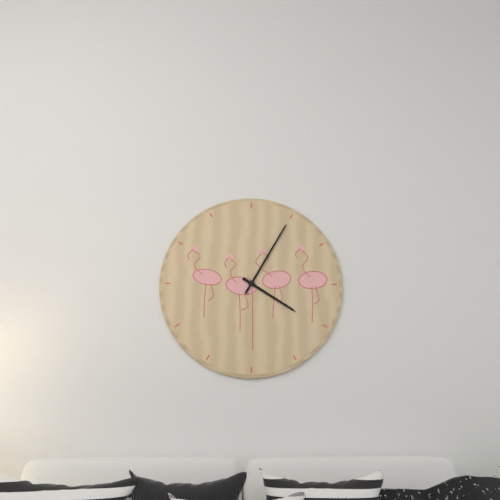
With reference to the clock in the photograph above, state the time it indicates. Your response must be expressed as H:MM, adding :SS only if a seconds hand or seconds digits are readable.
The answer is 4:05
